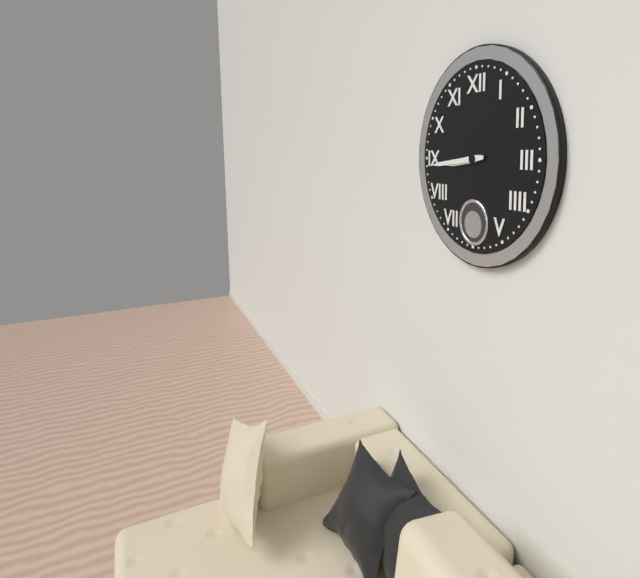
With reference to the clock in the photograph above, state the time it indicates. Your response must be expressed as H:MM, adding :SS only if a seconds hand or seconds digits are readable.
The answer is 8:44
